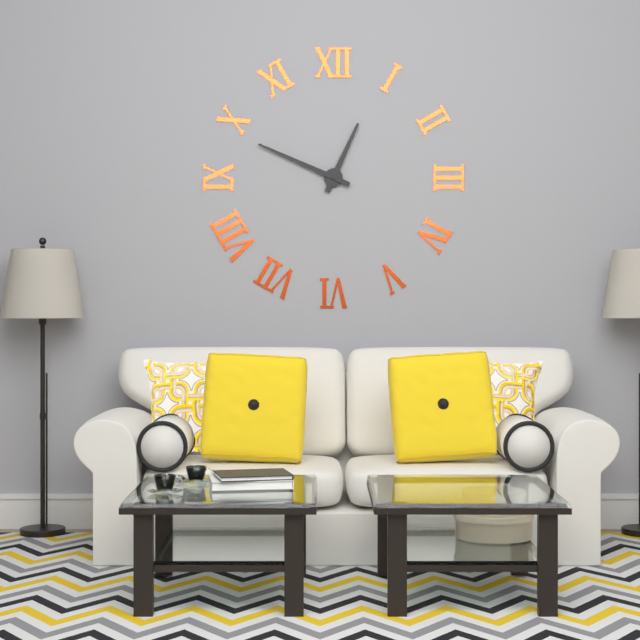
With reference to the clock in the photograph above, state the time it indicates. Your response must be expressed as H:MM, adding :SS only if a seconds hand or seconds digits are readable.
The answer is 12:49
